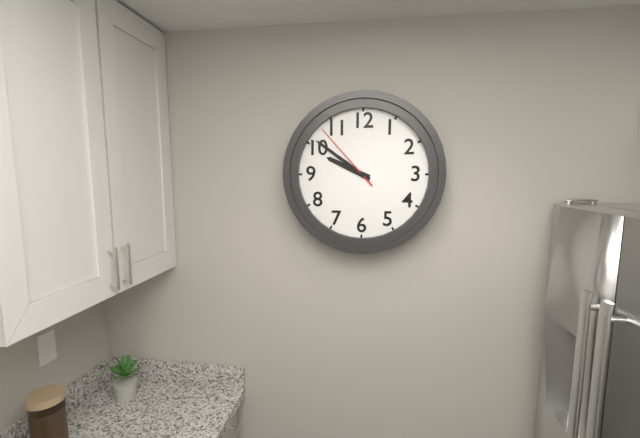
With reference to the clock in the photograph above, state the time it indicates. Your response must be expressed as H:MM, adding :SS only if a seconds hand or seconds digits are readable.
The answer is 9:51:53
